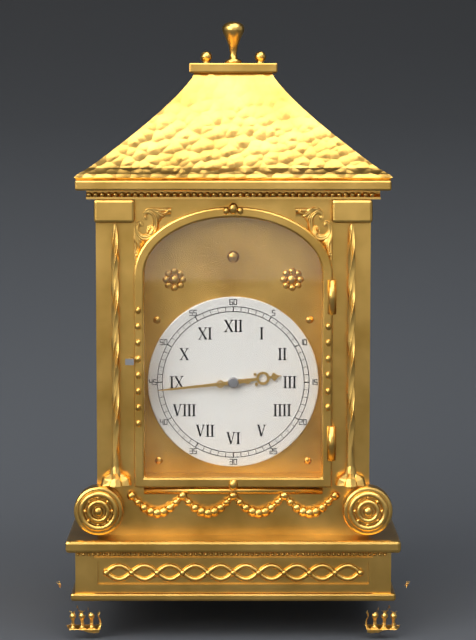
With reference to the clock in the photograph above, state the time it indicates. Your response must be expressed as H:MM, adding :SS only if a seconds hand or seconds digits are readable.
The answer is 2:44
